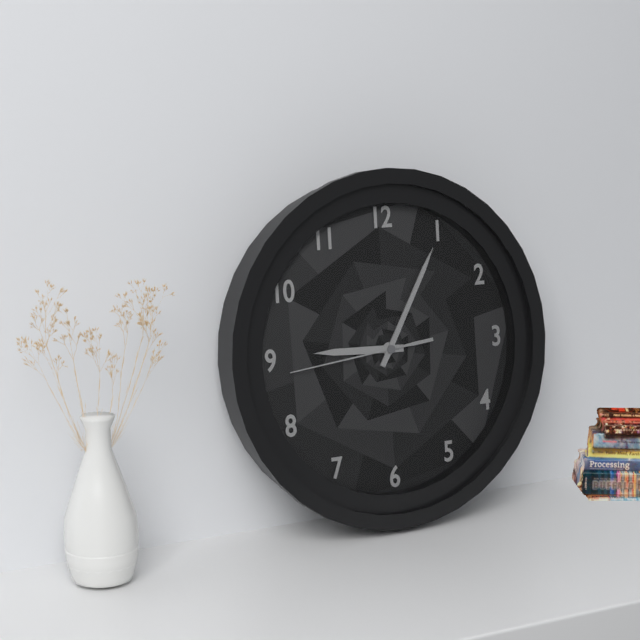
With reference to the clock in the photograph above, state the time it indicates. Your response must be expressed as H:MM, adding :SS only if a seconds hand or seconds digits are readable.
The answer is 9:05:44
